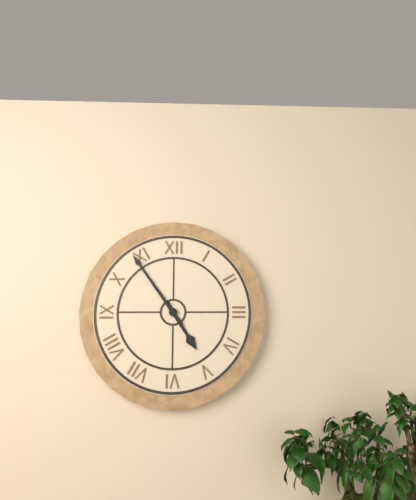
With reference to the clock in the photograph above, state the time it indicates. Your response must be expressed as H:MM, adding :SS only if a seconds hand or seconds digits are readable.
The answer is 4:54
